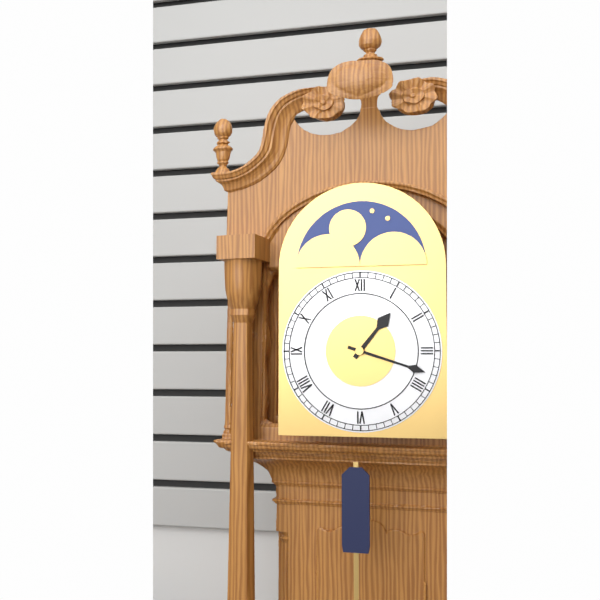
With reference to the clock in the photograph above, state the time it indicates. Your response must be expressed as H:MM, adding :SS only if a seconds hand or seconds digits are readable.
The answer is 1:18
